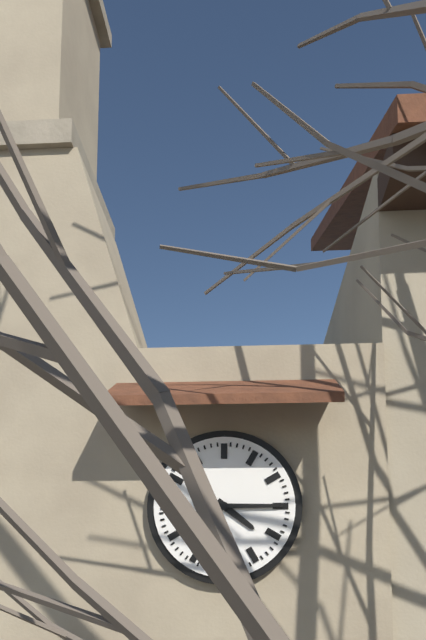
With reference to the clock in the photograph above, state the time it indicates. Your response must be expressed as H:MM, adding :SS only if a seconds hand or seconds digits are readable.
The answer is 4:15
